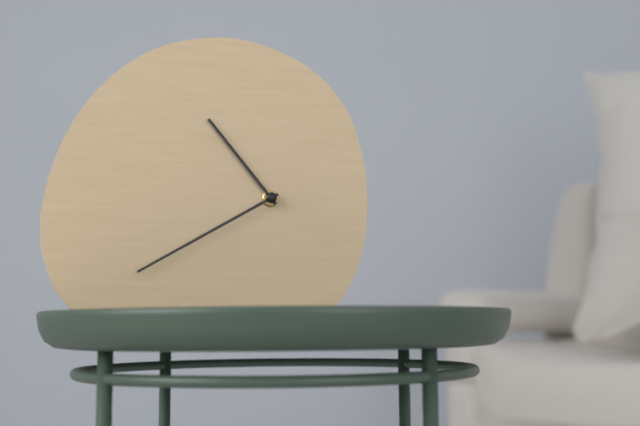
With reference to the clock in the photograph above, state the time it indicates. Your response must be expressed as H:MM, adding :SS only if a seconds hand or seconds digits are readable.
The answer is 10:40
